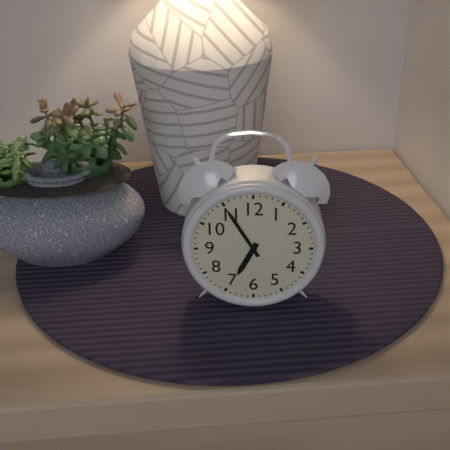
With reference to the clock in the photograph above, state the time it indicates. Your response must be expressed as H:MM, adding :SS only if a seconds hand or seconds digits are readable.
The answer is 6:55
